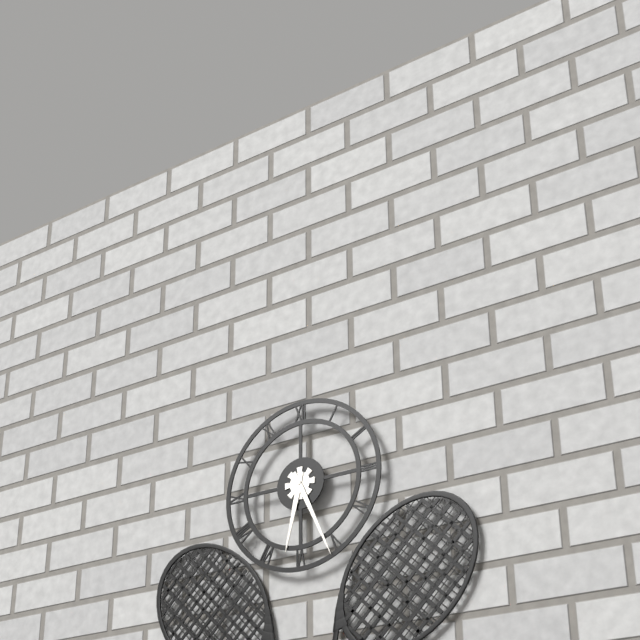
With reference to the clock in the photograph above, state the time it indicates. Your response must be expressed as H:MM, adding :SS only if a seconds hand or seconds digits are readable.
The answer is 6:26
